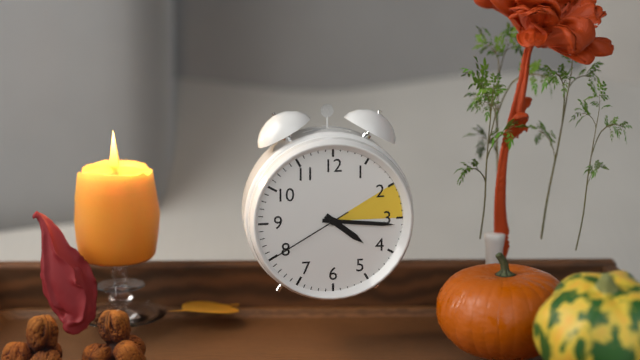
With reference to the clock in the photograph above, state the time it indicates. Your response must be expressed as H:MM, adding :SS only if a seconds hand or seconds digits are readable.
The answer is 4:16:40
